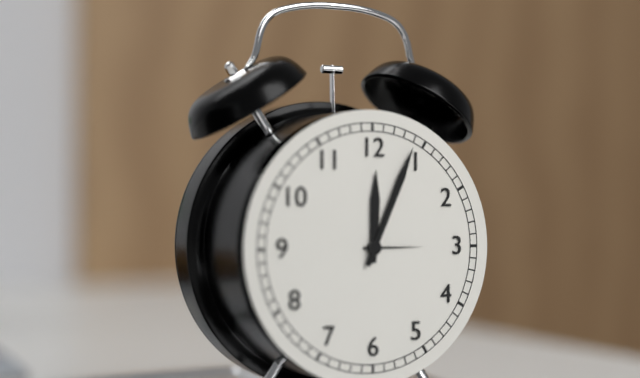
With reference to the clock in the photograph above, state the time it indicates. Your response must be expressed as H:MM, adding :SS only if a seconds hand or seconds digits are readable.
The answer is 12:04
